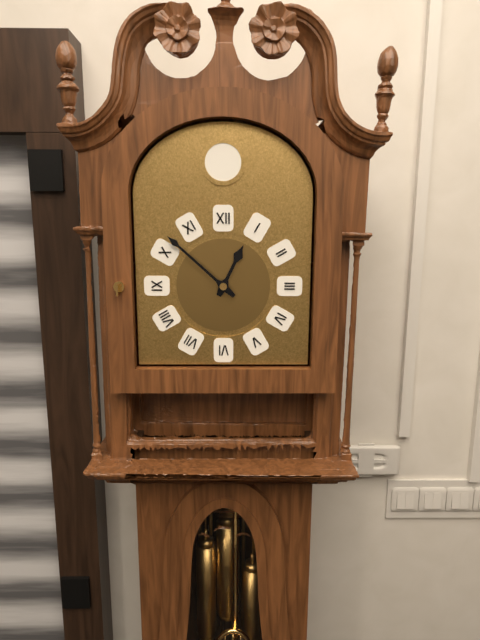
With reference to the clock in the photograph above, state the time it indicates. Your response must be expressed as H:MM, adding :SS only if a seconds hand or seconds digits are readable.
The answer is 12:52
